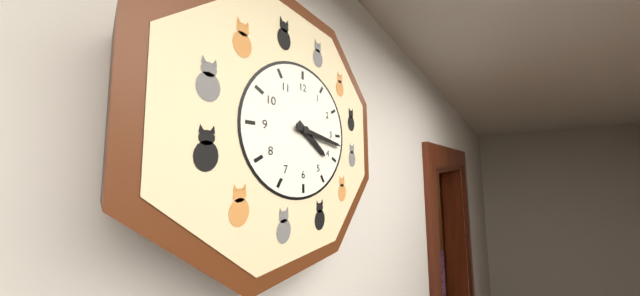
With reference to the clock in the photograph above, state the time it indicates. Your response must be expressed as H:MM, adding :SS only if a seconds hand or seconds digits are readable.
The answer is 4:17
